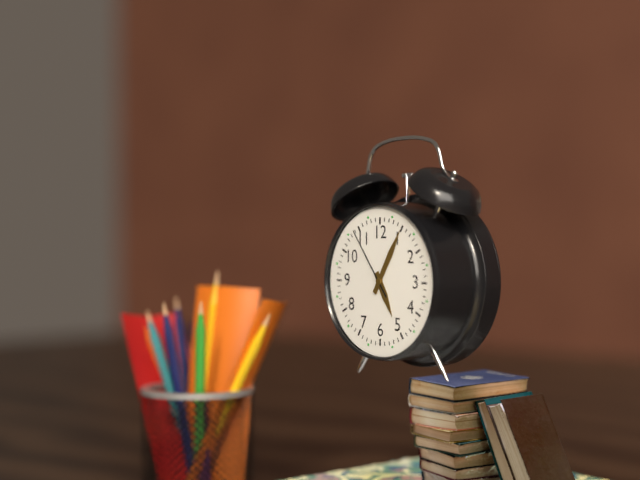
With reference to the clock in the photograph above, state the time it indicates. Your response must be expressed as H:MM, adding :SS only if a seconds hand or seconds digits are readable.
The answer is 5:05:54
